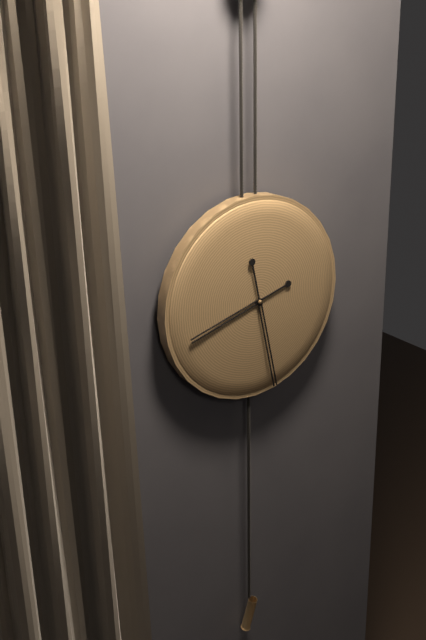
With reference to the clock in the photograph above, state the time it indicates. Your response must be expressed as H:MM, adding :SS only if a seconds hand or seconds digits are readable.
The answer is 8:28
